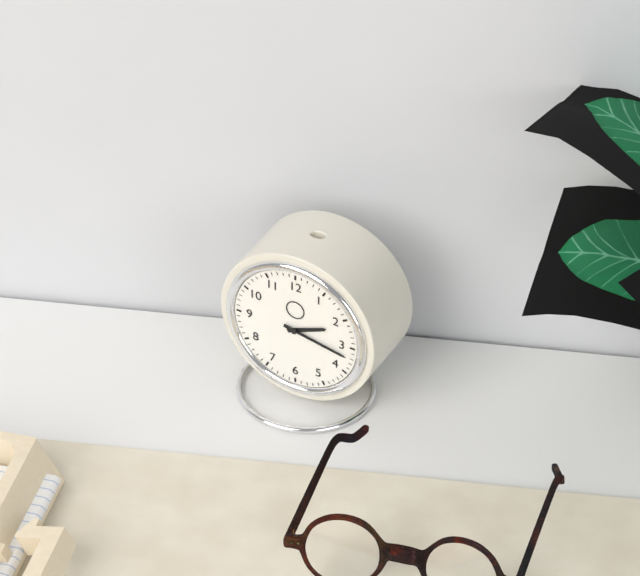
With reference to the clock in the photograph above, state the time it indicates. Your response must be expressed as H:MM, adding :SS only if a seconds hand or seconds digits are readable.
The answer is 2:17
